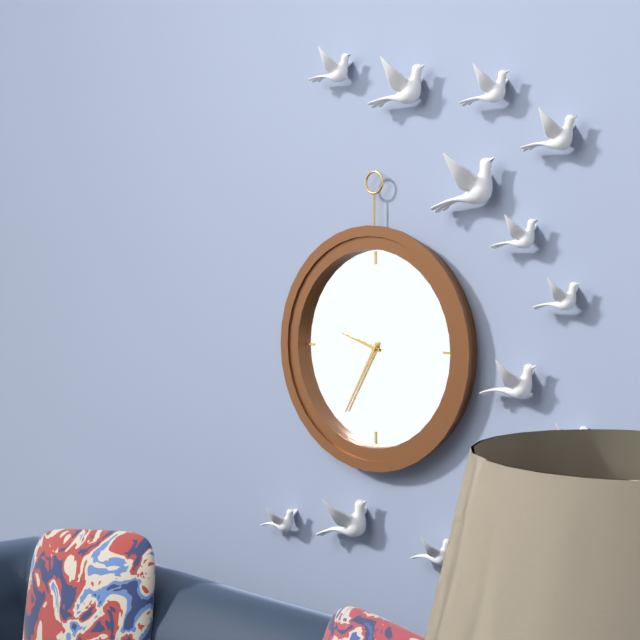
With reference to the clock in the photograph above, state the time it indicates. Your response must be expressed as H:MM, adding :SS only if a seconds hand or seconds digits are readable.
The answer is 9:35
